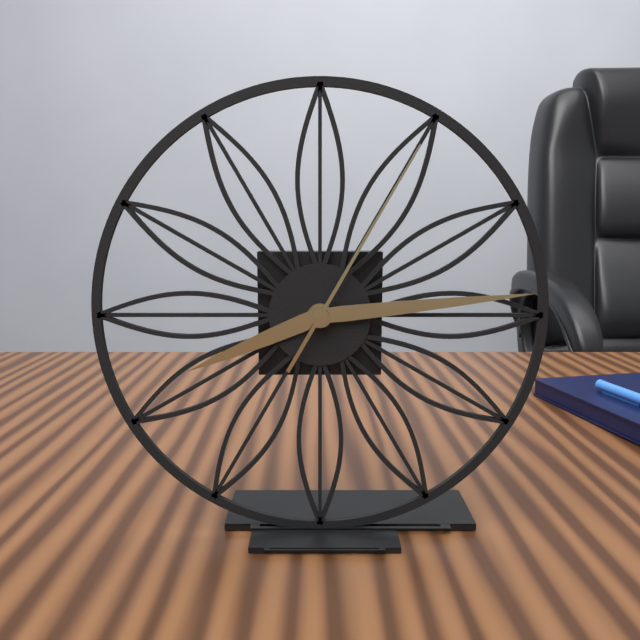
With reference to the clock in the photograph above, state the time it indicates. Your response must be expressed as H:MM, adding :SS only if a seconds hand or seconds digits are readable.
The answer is 8:14:05
